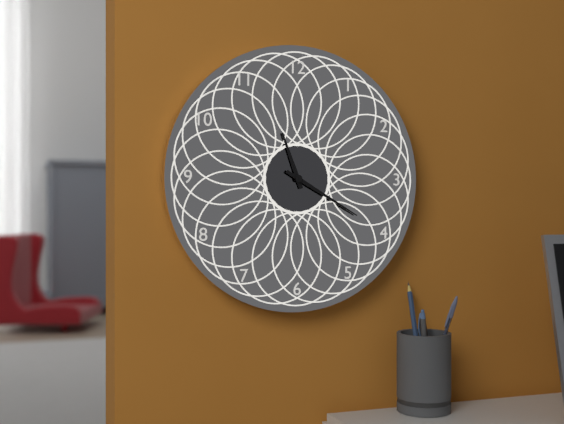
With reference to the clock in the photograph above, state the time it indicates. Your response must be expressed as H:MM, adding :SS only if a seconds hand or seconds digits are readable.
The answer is 11:20
